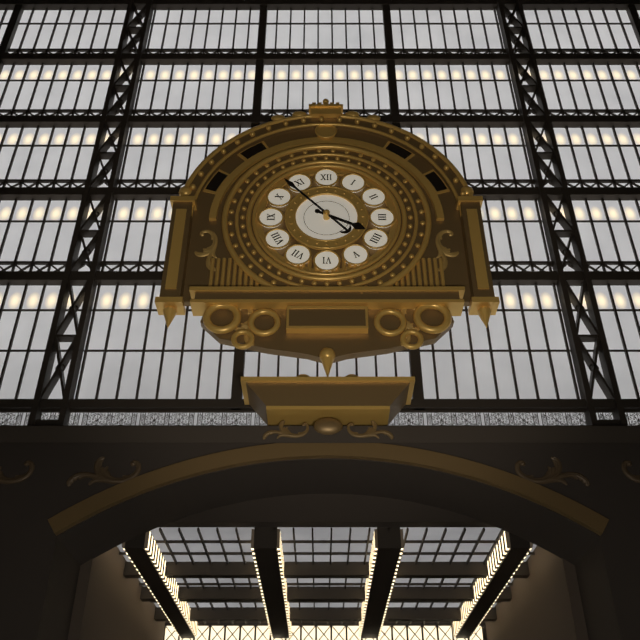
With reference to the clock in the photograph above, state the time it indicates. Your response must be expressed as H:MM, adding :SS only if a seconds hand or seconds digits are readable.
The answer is 3:53
